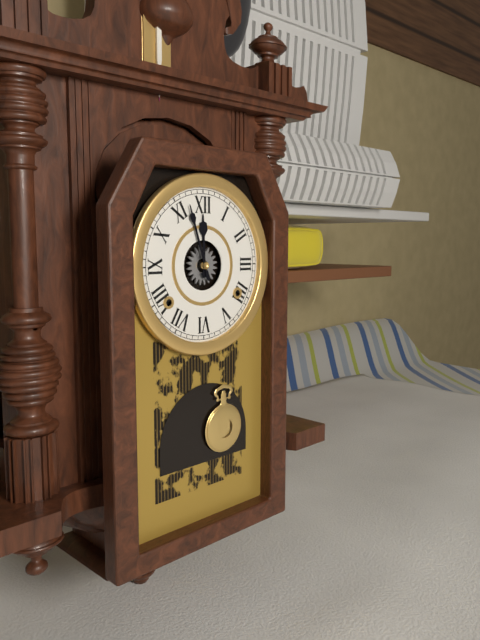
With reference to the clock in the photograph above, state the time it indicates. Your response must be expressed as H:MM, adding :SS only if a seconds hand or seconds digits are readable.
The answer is 11:57
